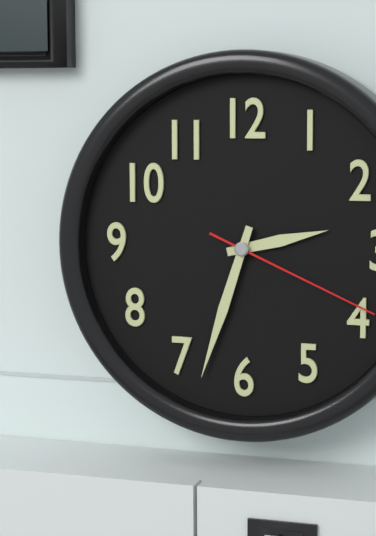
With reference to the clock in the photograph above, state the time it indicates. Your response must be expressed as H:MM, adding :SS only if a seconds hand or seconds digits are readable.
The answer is 2:33:19
